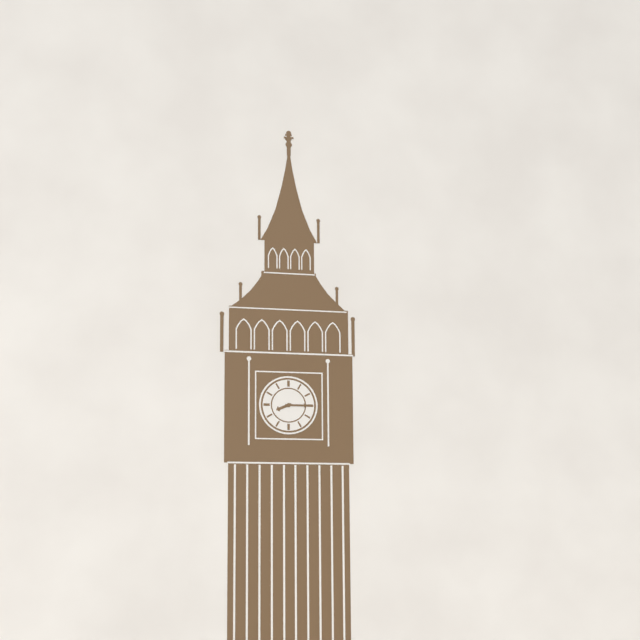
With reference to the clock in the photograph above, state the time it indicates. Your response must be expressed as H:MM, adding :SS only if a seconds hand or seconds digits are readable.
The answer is 8:15
